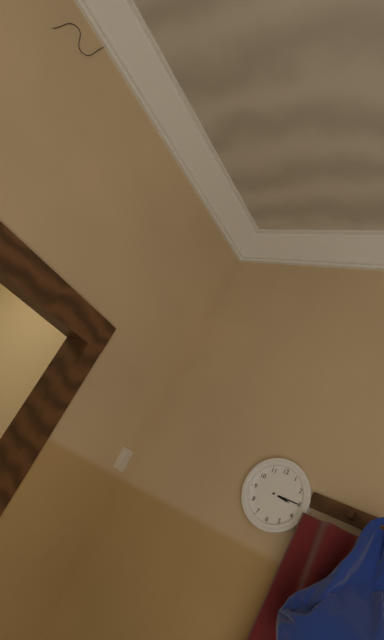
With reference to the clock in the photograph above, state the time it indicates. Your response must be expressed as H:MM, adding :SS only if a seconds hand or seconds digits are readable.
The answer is 3:15
